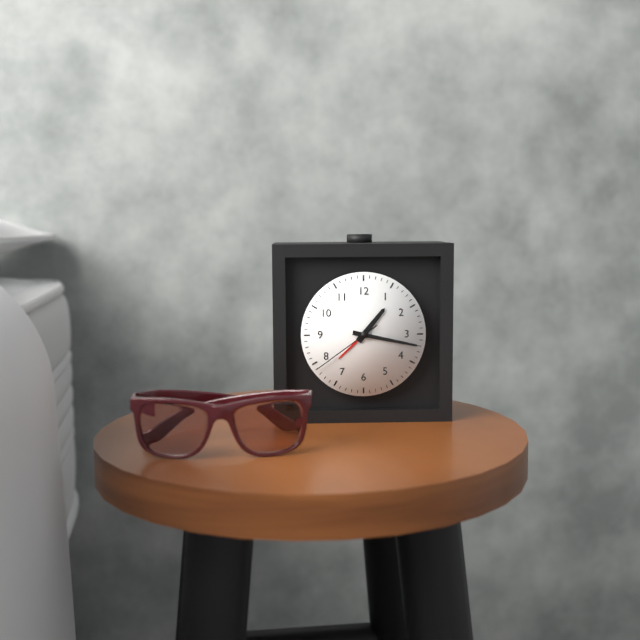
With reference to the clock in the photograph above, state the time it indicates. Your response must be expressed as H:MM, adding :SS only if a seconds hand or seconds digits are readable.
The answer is 1:17:39
